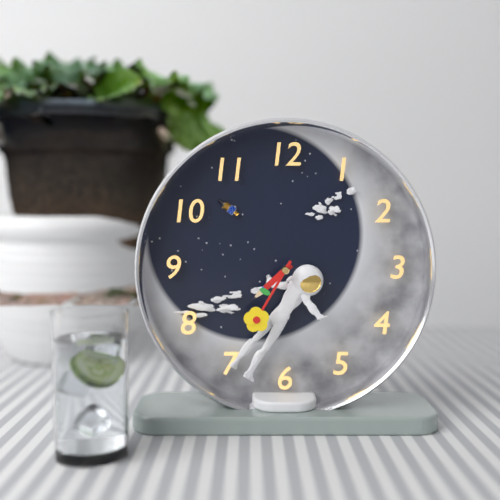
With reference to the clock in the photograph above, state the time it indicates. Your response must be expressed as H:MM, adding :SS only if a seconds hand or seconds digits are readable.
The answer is 7:35
